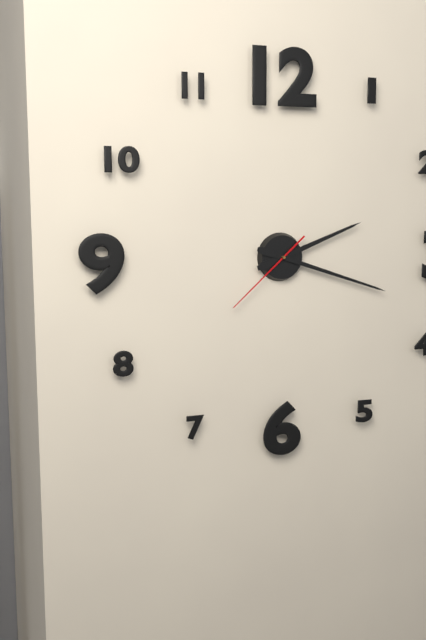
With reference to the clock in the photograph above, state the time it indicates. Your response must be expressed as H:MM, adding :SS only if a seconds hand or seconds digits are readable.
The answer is 2:18:38
